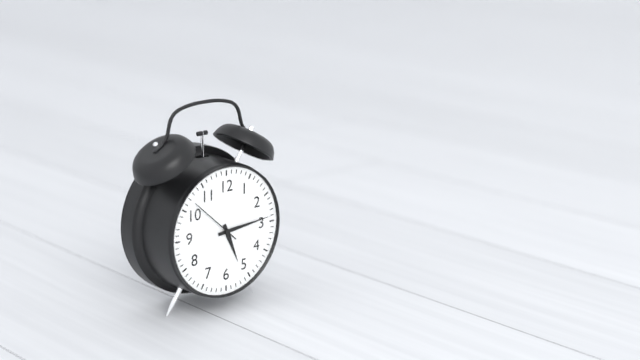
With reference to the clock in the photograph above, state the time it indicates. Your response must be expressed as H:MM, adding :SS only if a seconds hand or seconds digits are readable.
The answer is 5:14:52
